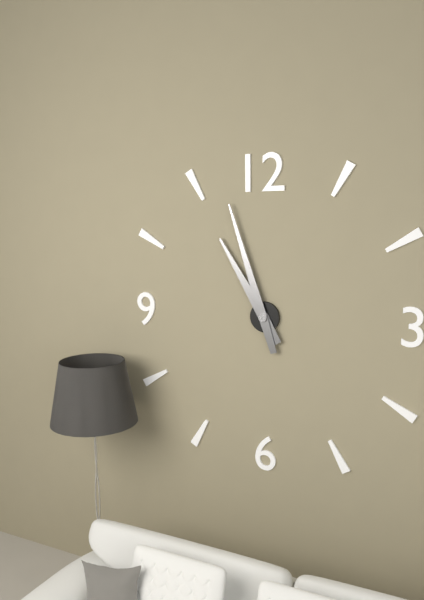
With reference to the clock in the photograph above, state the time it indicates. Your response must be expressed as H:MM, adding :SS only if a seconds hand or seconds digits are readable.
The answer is 10:57
